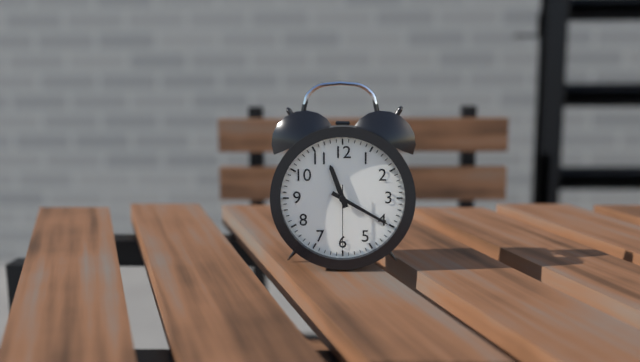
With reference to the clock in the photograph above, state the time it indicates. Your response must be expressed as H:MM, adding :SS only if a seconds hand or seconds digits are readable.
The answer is 11:20:30
